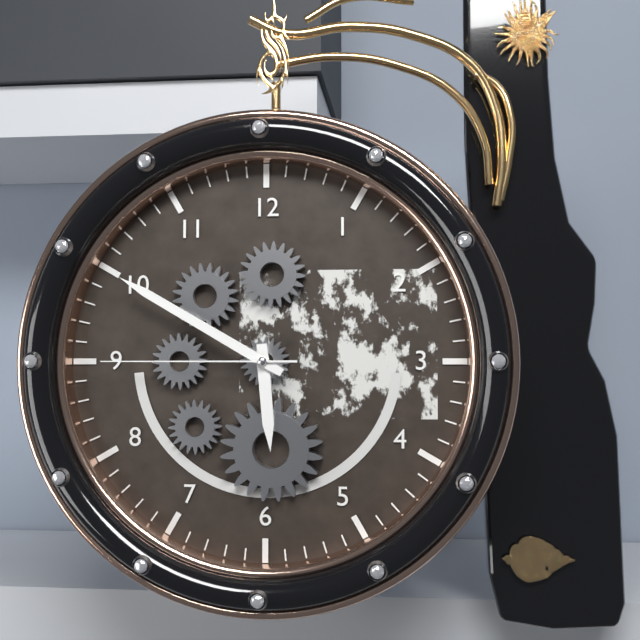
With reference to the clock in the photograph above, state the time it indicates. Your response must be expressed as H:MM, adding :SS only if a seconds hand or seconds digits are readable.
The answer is 5:50:45
